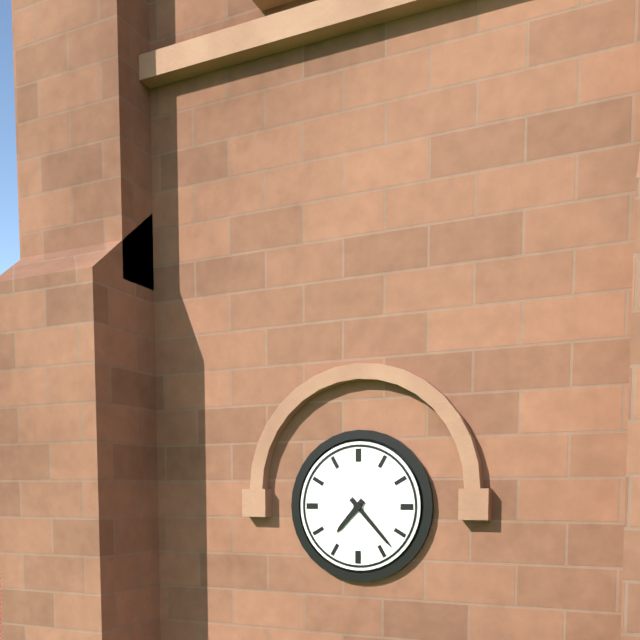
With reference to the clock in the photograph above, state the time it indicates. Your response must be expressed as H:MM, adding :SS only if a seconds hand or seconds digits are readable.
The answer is 7:23
